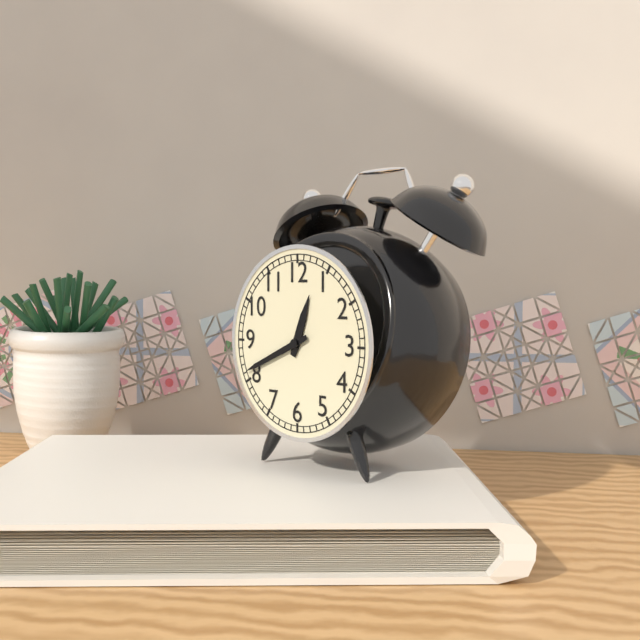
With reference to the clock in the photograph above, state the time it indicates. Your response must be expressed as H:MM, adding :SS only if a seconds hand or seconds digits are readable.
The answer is 12:41
